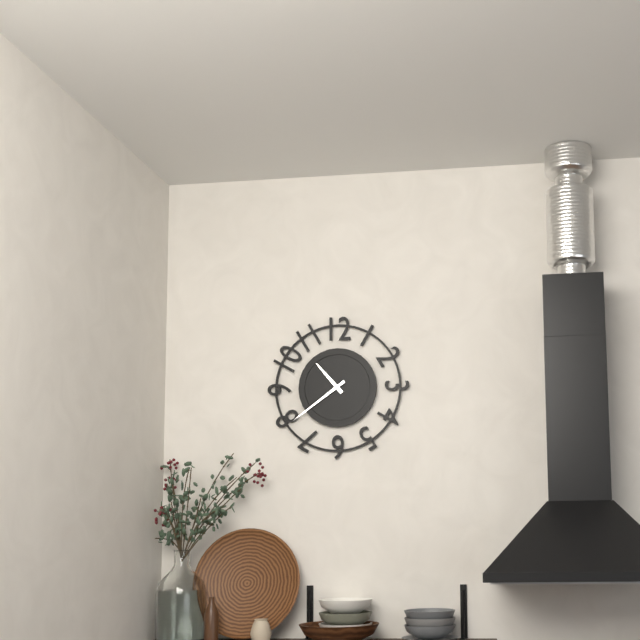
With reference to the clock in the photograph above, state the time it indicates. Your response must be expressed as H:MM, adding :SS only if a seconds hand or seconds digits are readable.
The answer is 10:39
